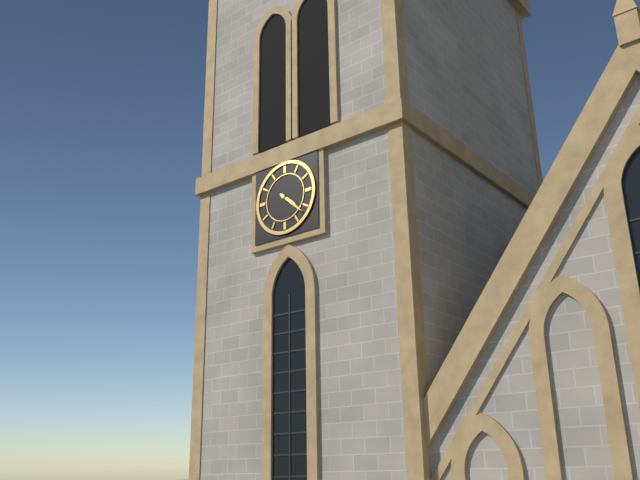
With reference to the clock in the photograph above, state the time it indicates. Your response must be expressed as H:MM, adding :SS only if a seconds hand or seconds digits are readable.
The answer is 4:22
